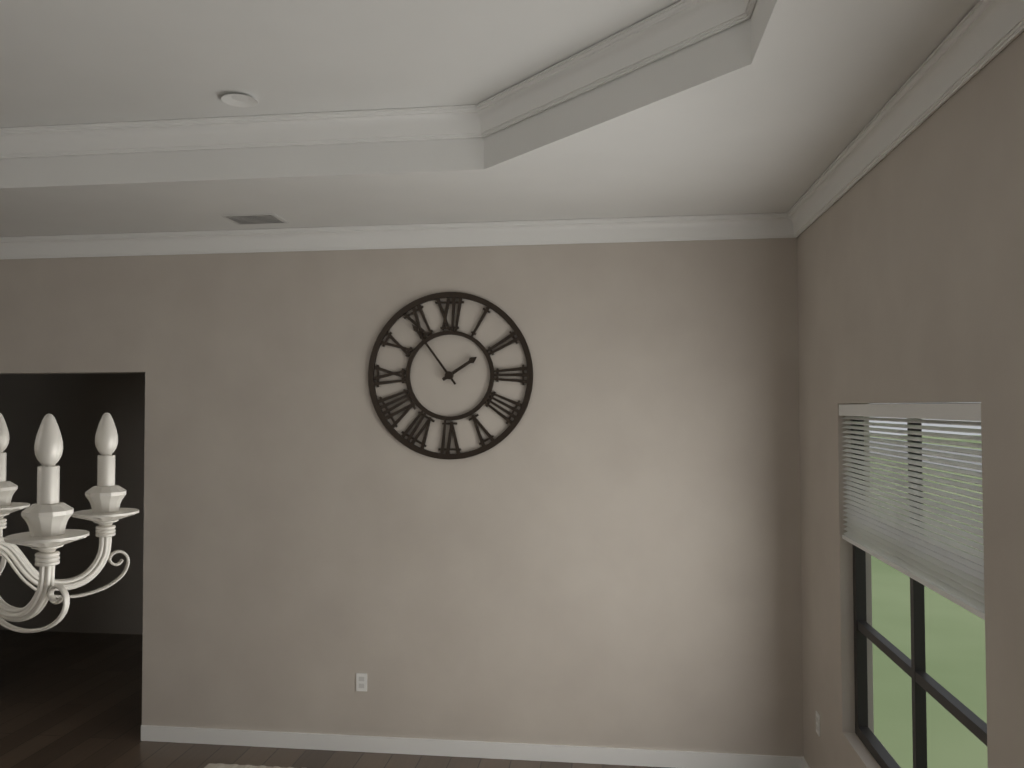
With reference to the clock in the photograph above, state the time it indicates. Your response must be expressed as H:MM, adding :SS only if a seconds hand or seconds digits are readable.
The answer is 1:54
